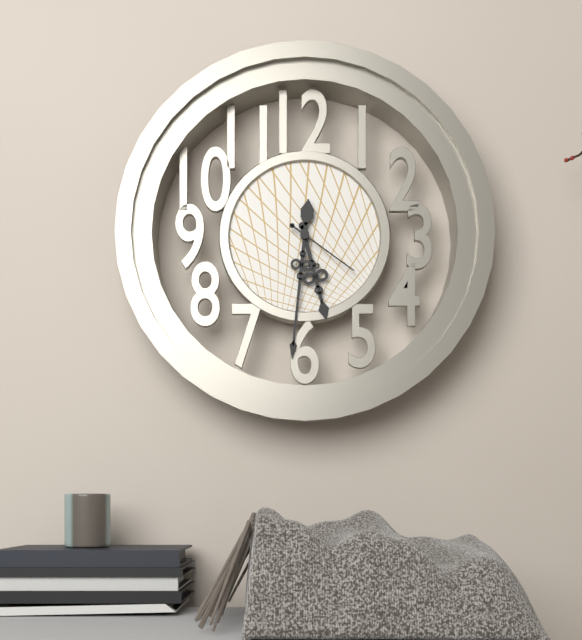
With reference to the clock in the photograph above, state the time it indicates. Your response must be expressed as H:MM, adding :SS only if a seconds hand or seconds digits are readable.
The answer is 5:31:21
